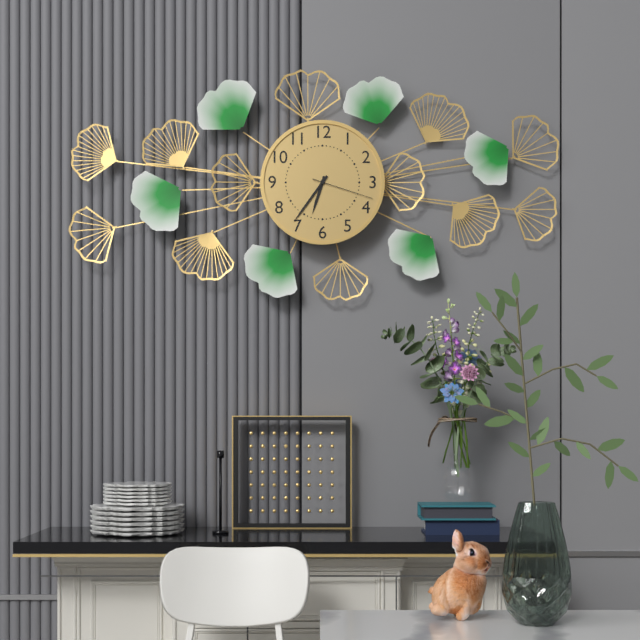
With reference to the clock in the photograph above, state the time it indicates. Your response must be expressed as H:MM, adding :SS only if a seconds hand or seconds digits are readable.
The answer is 6:36:18
